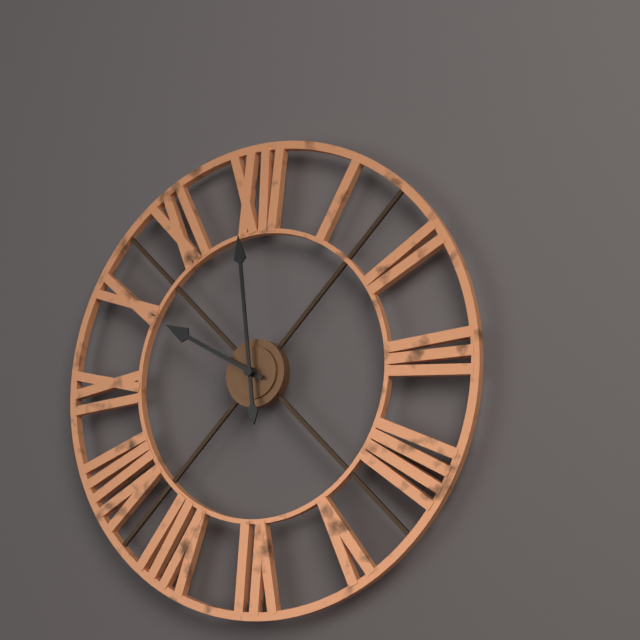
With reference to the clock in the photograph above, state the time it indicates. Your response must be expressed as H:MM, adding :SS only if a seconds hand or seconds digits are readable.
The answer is 9:59
